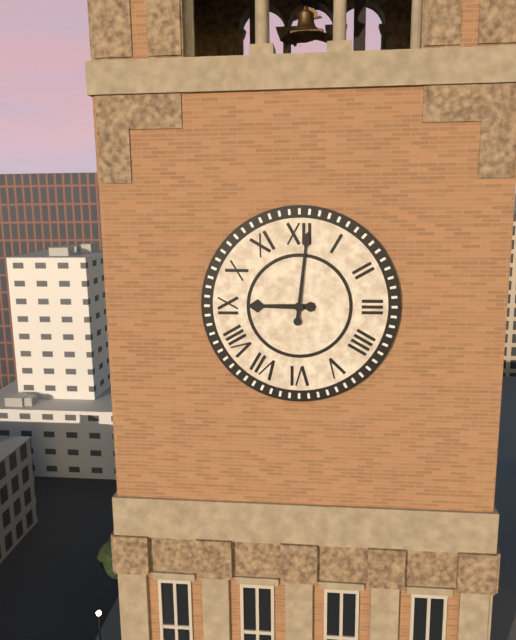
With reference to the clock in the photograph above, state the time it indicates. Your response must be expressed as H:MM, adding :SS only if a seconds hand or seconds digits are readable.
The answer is 9:01
